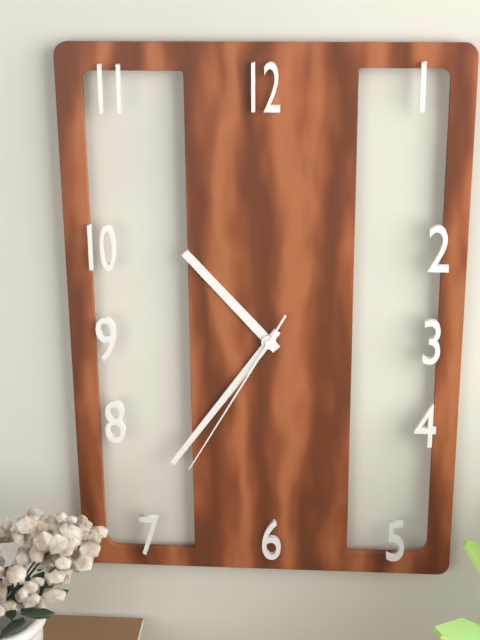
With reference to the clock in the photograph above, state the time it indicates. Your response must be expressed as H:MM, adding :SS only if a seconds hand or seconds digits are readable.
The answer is 10:36:35
